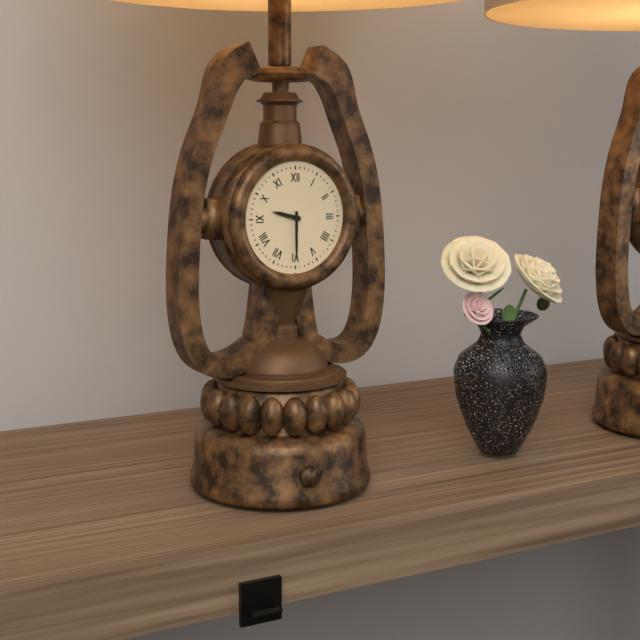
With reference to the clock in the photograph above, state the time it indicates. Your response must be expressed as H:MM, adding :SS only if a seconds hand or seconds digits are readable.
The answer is 9:30
